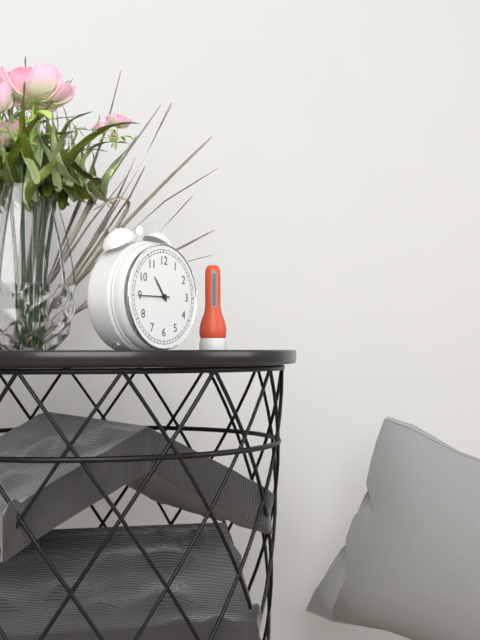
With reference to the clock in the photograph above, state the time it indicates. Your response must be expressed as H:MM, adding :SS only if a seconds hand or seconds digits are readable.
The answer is 10:45
